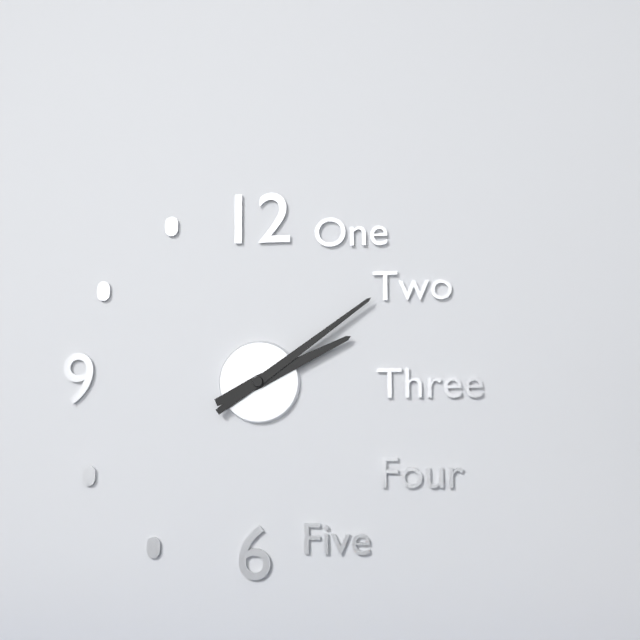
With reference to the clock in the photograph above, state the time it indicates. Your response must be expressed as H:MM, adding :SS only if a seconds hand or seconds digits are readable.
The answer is 2:09
